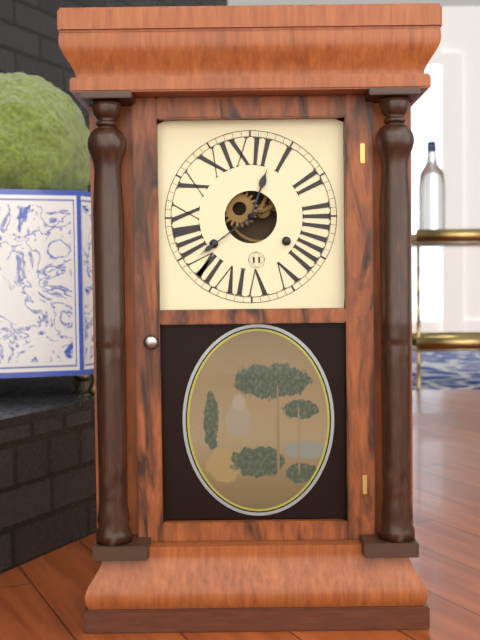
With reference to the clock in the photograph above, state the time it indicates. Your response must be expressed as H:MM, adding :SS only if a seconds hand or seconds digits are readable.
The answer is 12:39
